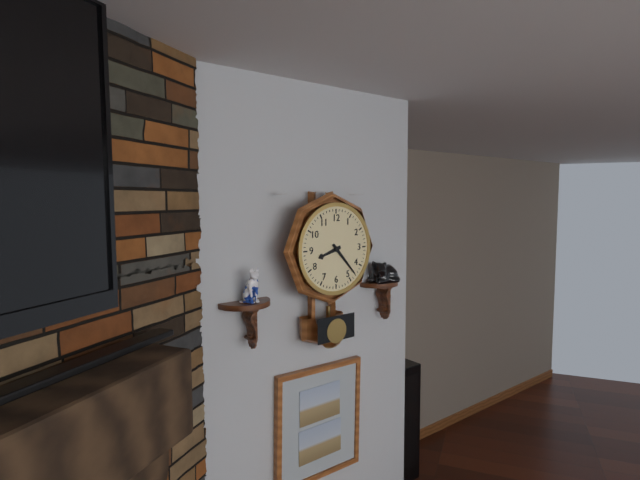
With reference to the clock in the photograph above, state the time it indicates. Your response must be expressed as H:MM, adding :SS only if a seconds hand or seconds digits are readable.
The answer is 8:23
